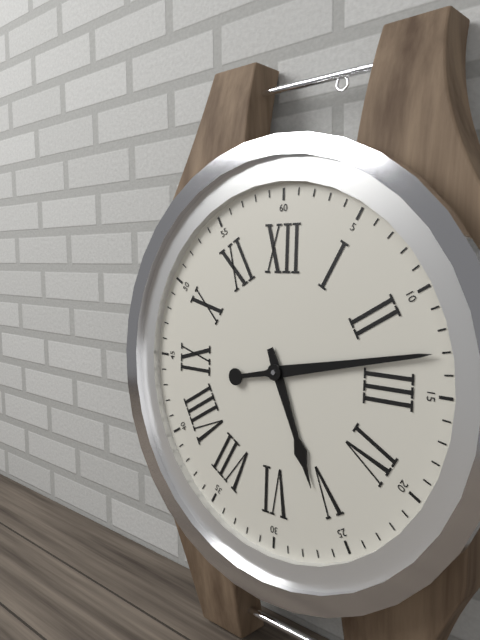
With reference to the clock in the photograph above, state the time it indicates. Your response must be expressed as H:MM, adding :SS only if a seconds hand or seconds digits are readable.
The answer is 5:13
